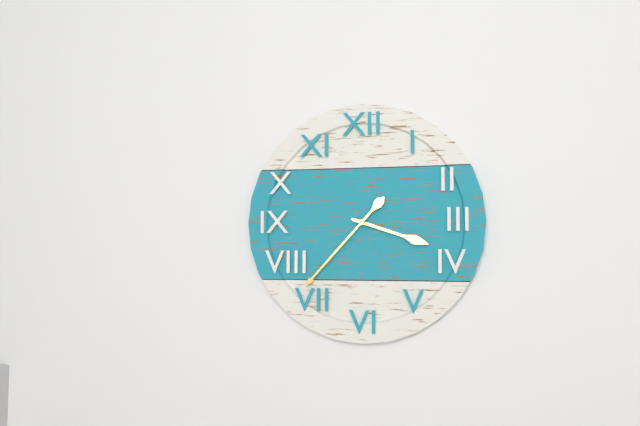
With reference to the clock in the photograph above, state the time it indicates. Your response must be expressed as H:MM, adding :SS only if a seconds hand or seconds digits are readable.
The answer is 3:37
